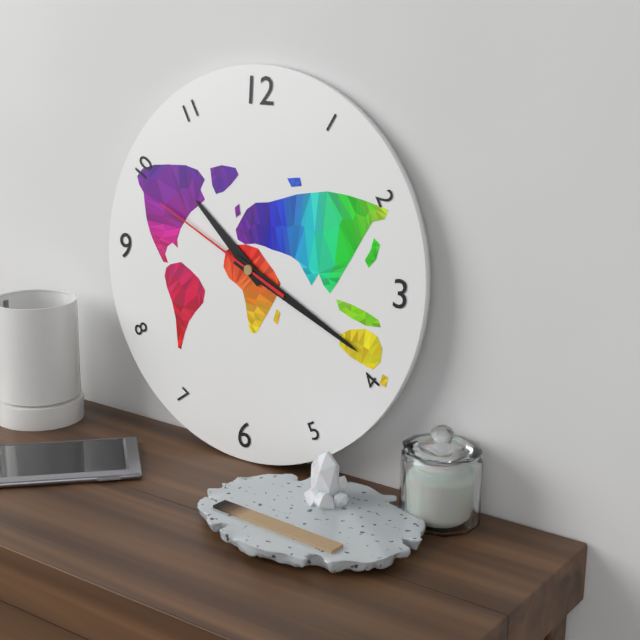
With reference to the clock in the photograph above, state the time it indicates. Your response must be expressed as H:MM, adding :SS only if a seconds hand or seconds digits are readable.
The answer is 10:19:49
